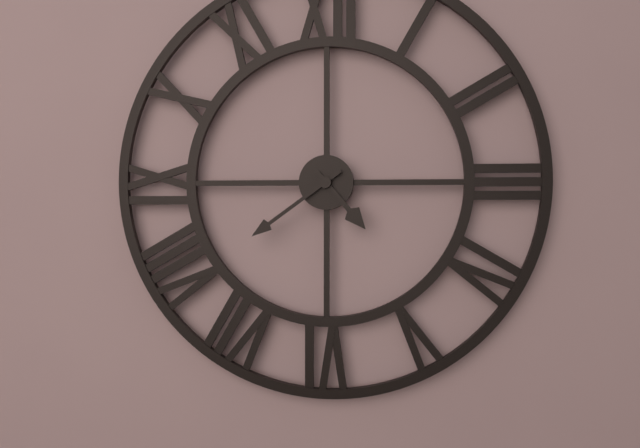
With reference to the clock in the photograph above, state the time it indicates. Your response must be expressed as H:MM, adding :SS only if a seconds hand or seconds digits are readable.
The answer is 4:39
